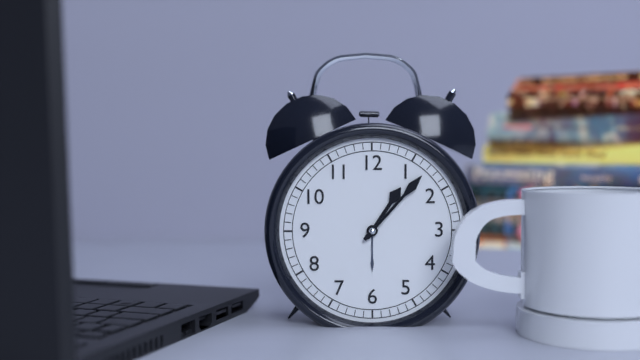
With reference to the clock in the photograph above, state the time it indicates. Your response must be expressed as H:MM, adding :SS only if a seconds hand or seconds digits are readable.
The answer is 1:07
